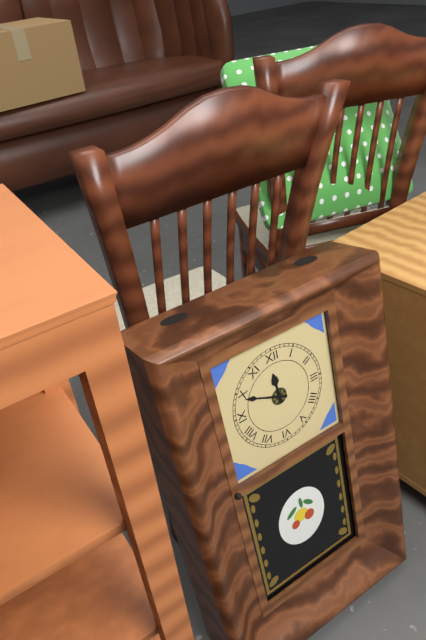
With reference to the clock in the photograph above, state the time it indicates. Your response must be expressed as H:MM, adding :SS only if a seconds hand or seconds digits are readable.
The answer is 11:49
